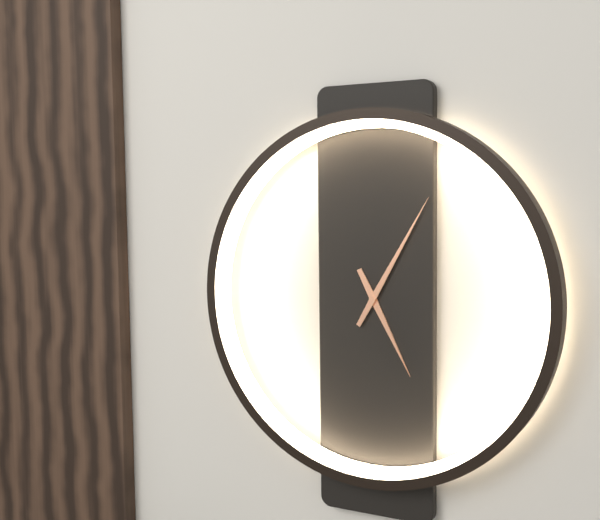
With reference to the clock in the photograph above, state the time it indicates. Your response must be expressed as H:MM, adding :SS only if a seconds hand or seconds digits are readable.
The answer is 5:05
